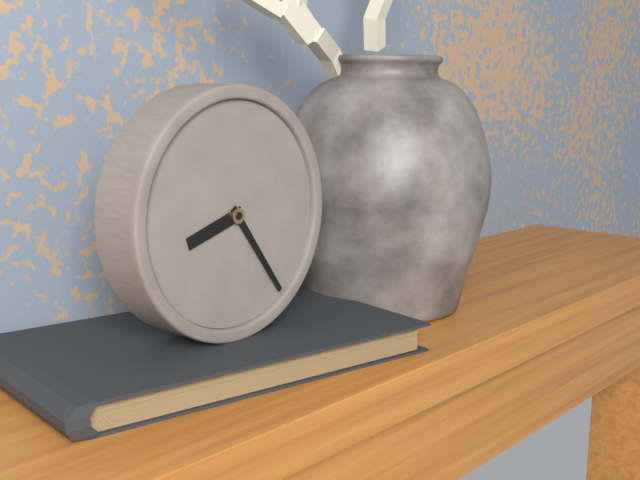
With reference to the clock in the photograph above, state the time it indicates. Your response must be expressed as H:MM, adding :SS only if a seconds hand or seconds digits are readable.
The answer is 8:24
